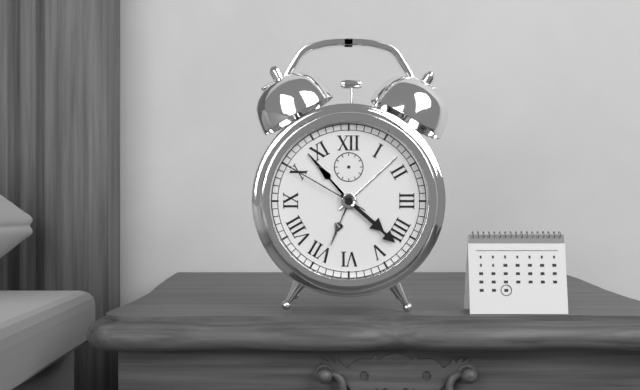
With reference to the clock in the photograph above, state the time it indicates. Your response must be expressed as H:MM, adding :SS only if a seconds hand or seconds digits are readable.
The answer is 4:22:50
